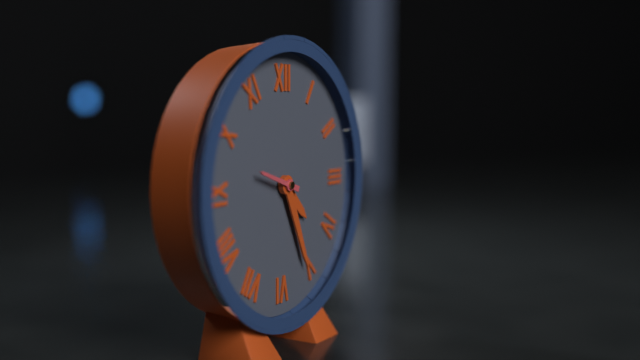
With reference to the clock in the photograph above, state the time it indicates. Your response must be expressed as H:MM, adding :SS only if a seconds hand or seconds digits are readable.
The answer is 4:26
